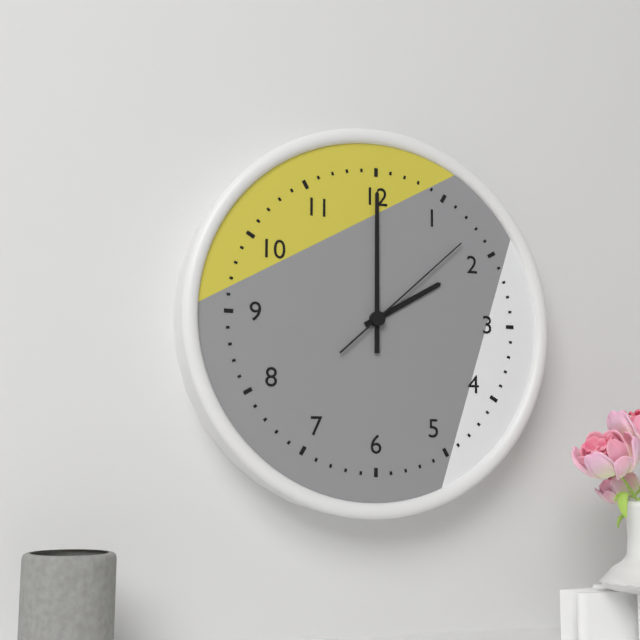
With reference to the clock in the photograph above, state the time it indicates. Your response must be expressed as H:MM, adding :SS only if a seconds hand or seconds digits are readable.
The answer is 2:00:08
